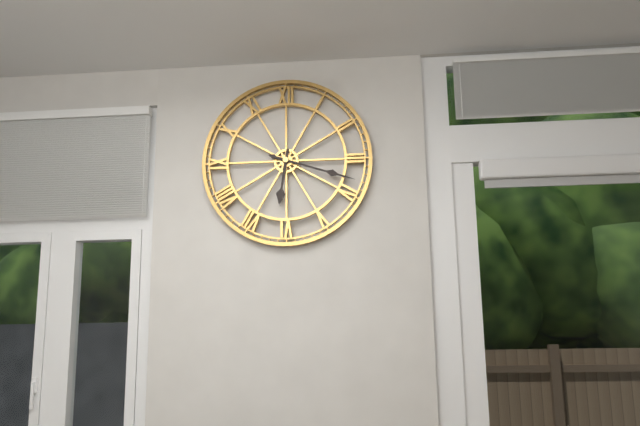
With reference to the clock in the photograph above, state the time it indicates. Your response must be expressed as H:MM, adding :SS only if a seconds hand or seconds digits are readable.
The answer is 6:18
